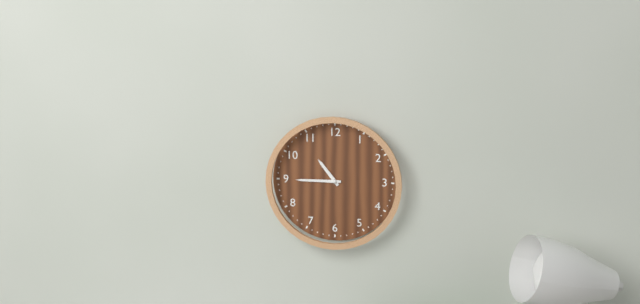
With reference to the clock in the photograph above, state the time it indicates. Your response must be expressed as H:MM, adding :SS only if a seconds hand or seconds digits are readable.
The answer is 10:45
